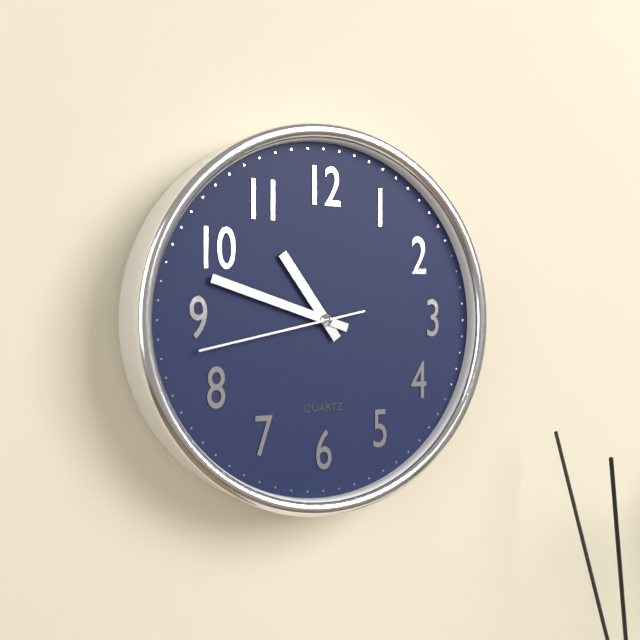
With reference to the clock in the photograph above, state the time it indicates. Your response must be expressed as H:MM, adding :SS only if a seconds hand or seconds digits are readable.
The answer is 10:48:43
